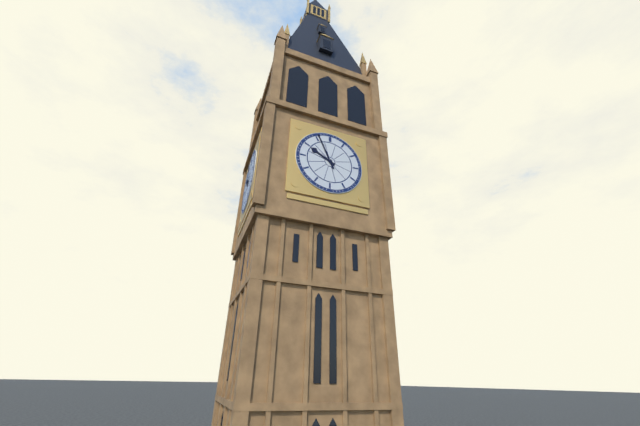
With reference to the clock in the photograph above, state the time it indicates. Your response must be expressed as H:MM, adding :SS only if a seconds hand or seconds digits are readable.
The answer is 9:56
